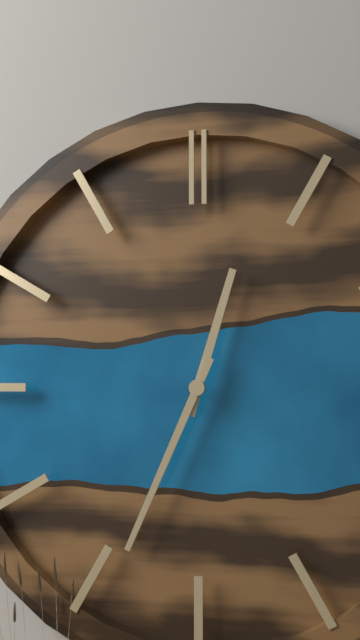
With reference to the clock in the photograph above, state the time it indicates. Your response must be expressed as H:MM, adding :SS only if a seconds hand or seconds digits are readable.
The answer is 12:34
